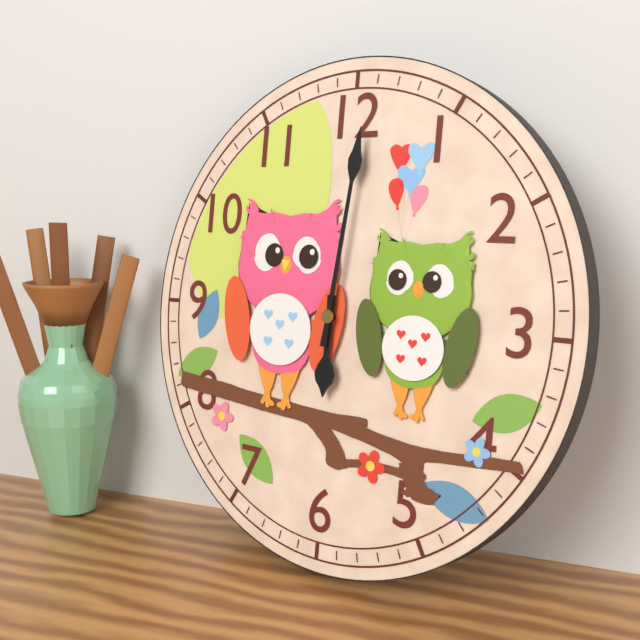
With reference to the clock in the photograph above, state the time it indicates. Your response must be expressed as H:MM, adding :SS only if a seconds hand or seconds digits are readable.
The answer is 6:01
